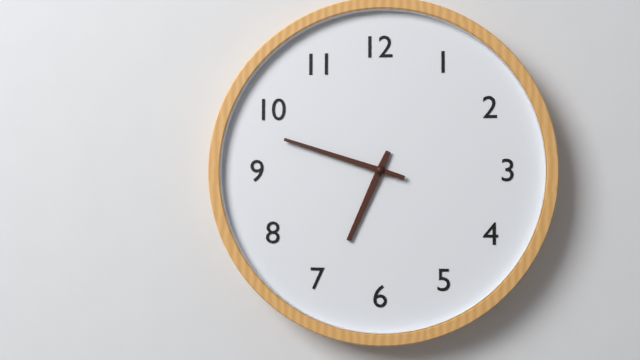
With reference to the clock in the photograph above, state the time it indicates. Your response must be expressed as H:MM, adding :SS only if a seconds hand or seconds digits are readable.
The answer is 6:48
